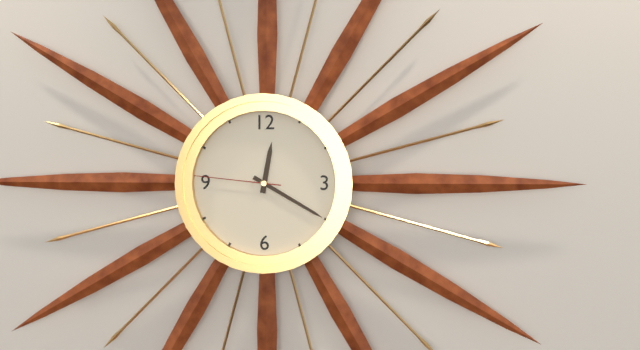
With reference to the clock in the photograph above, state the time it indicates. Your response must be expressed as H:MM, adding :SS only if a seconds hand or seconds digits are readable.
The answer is 12:20:46
